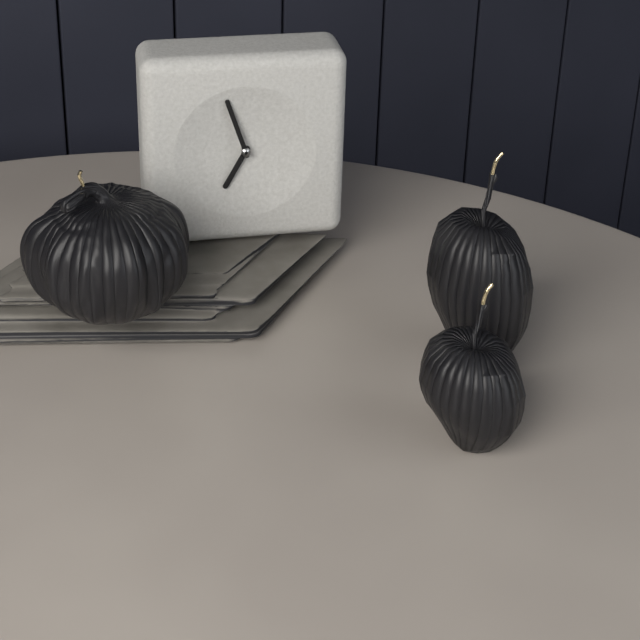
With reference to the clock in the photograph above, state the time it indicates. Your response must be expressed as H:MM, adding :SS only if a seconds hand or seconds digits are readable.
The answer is 6:57
